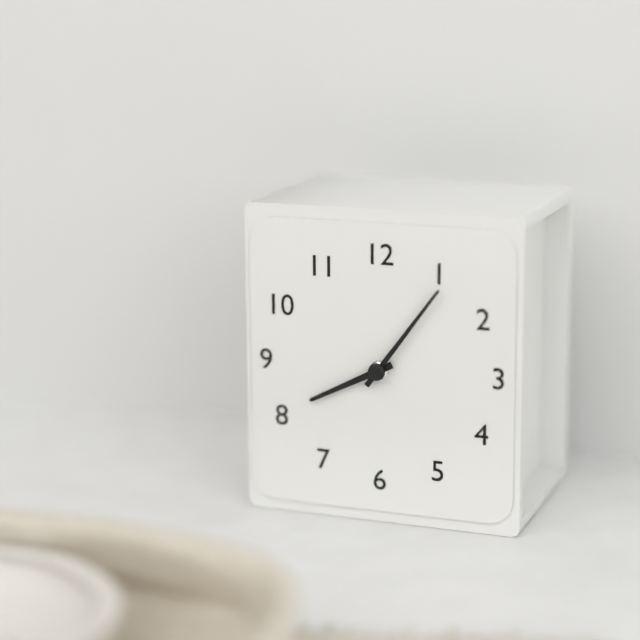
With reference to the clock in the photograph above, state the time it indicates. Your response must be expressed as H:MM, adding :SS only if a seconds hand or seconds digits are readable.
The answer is 8:06
